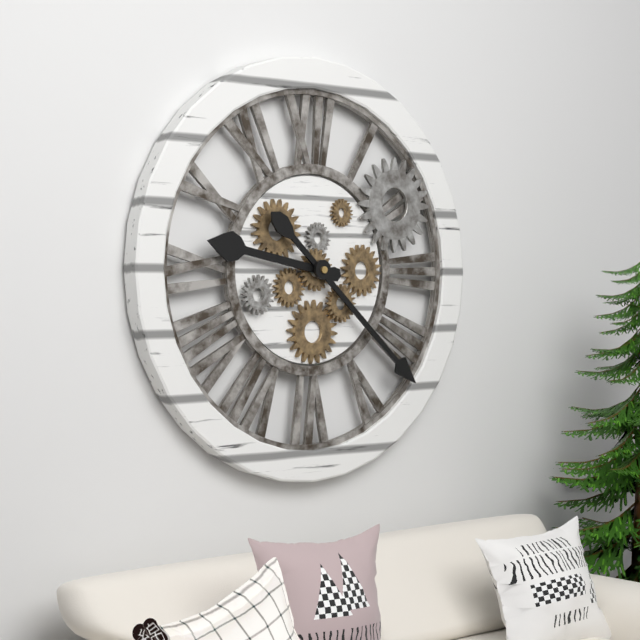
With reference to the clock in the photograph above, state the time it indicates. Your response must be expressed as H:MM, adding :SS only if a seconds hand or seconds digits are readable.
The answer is 9:22
